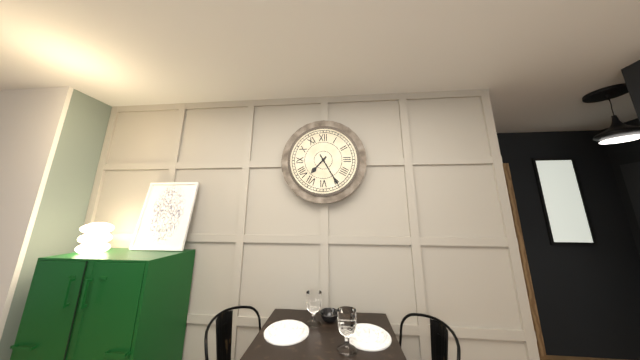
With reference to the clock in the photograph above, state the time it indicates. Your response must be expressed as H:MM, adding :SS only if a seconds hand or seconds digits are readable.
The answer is 7:25
